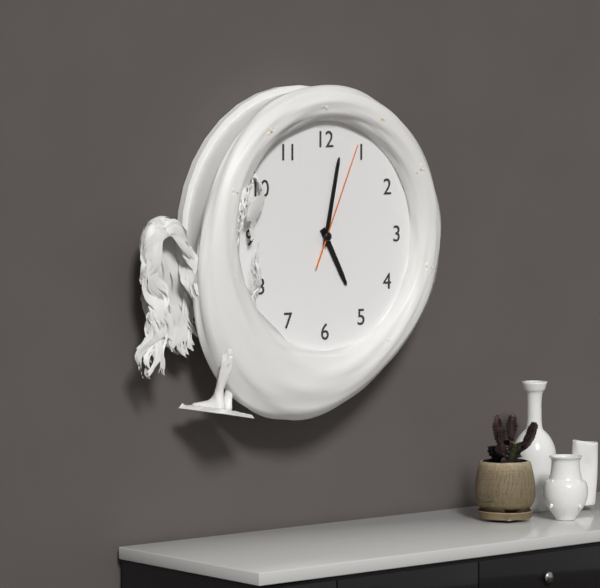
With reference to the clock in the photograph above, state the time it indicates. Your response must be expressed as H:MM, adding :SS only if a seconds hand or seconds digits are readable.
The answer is 5:02:04
